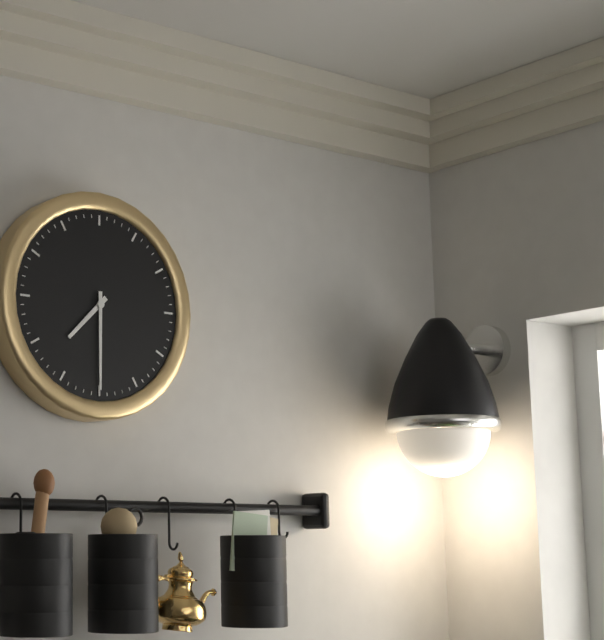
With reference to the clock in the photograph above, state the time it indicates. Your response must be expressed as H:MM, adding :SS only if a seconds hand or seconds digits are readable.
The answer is 7:30
